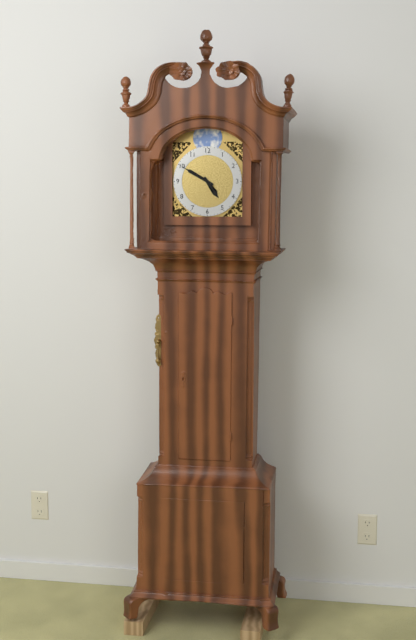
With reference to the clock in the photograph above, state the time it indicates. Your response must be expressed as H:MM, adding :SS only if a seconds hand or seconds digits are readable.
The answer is 4:50
